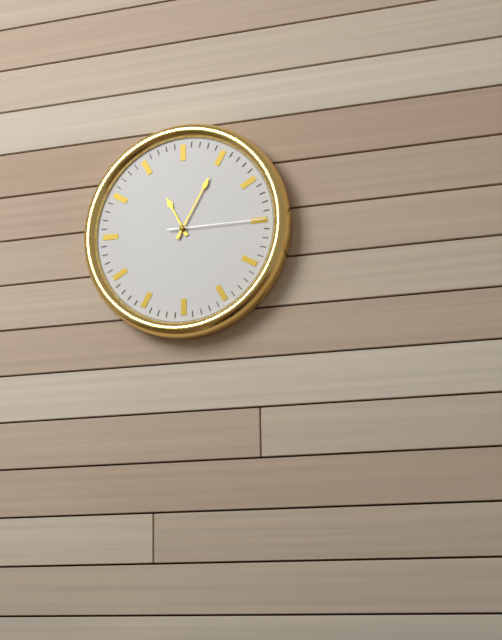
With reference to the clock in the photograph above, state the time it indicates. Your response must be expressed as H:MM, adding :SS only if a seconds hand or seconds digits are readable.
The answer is 11:05:15
